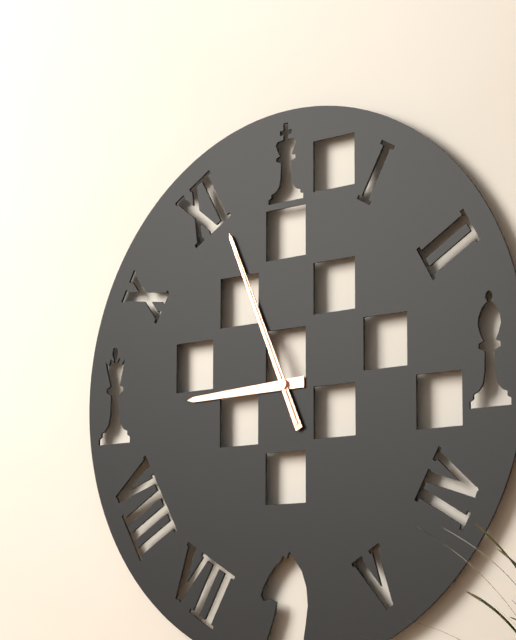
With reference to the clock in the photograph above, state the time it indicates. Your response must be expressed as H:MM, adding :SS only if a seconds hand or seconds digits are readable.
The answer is 8:56:56
